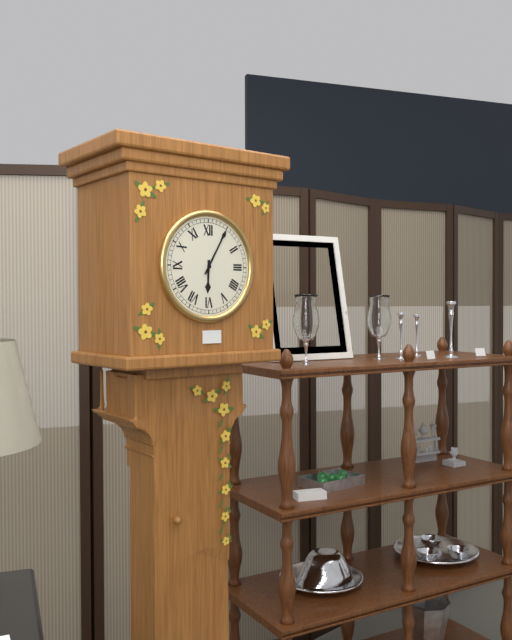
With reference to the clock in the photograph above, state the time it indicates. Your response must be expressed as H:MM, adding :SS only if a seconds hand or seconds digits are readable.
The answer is 6:05
